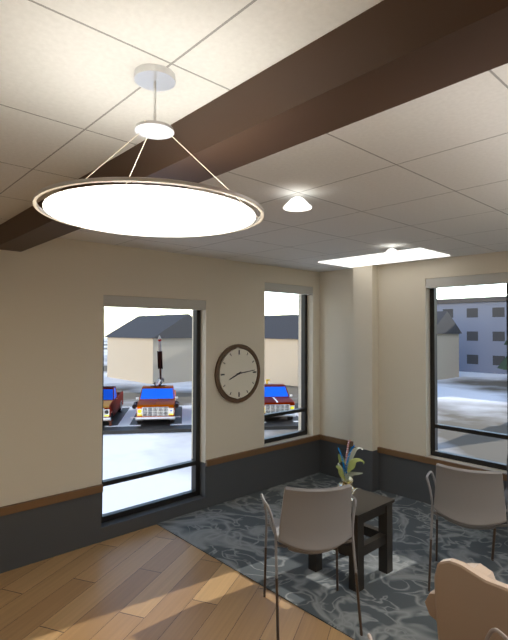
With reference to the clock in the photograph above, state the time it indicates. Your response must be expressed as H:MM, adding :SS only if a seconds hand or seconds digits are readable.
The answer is 8:14
